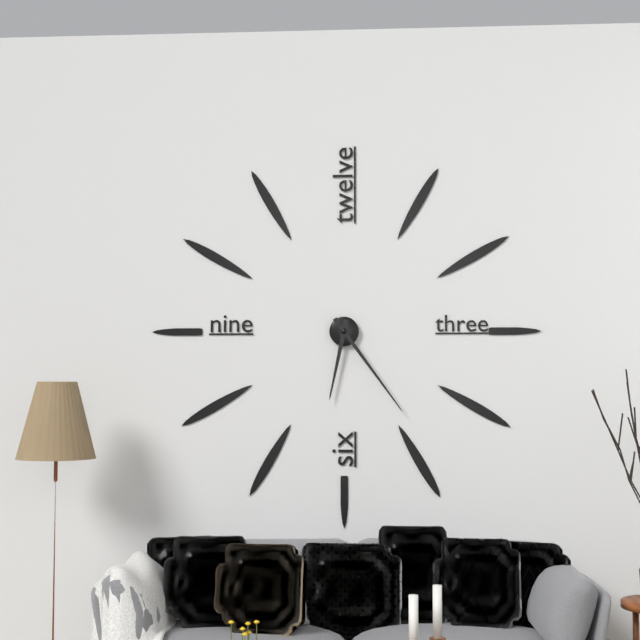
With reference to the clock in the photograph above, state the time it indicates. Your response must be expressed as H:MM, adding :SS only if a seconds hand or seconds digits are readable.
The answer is 6:24
